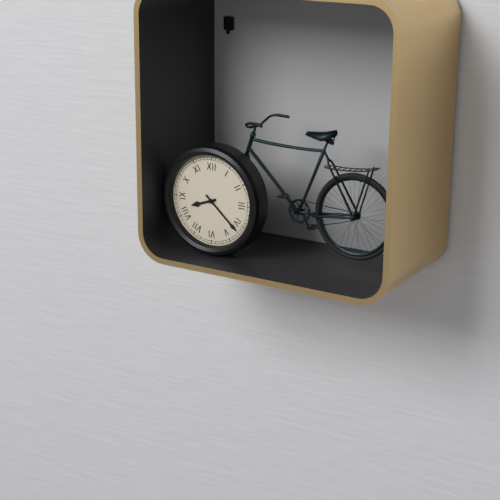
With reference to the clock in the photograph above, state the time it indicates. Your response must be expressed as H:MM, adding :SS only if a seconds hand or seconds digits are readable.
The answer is 8:22
